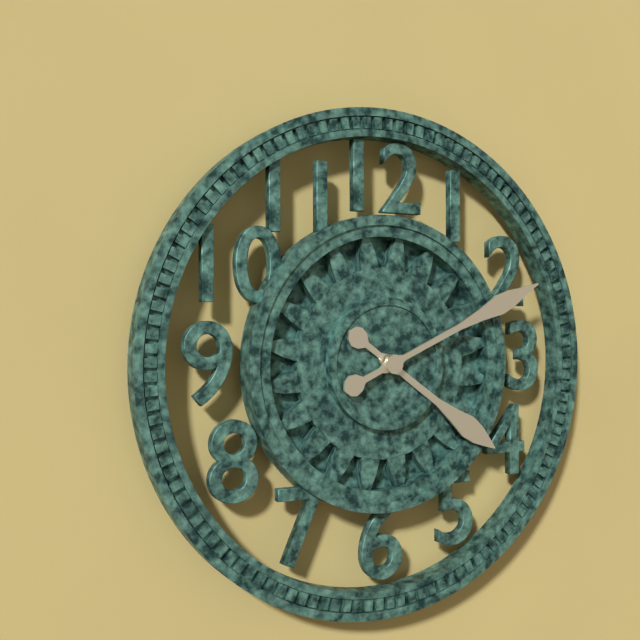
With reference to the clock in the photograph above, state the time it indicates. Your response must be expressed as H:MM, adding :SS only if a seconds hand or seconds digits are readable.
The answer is 4:11
